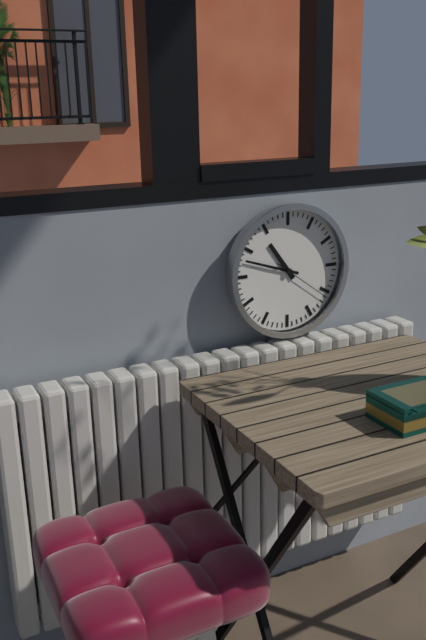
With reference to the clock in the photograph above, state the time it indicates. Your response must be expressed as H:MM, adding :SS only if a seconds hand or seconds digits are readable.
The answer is 10:48:21
